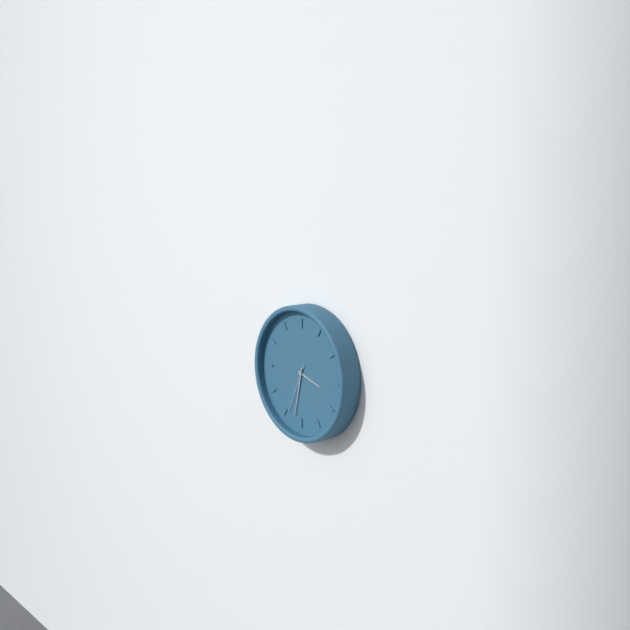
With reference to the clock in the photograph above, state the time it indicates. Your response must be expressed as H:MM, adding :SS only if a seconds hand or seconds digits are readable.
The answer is 3:32:34
